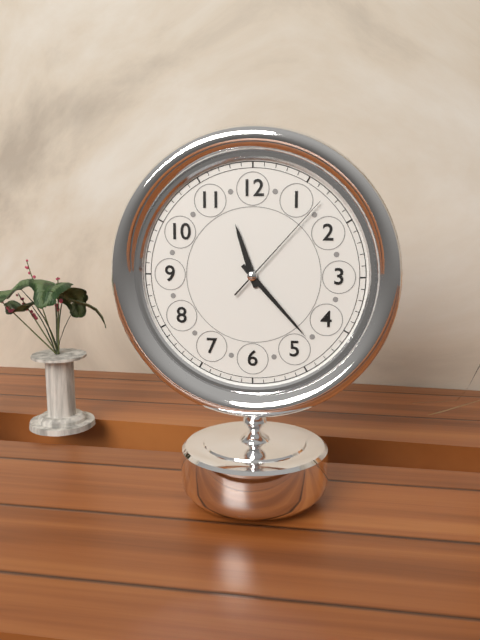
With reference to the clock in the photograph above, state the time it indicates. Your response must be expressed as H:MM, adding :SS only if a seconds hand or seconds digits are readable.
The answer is 11:23:07
